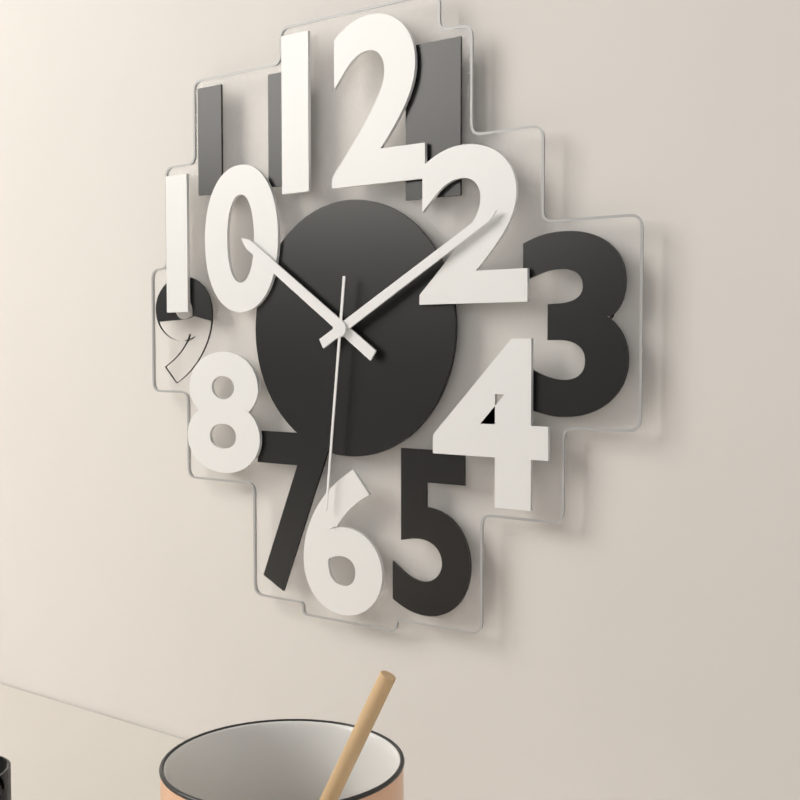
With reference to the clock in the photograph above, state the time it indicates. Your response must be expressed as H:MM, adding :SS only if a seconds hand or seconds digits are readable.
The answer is 10:10:31
